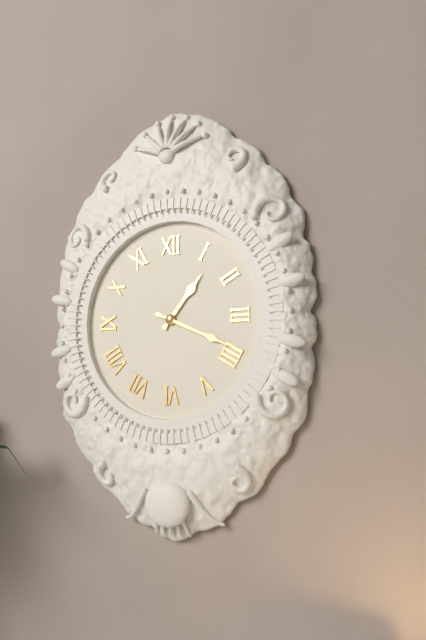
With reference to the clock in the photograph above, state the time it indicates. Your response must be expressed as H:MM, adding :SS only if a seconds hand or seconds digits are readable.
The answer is 1:19
